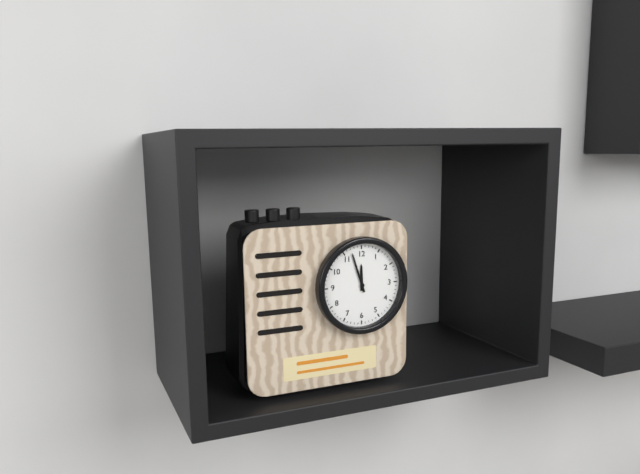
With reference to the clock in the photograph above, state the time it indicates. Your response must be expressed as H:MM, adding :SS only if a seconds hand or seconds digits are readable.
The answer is 11:57
